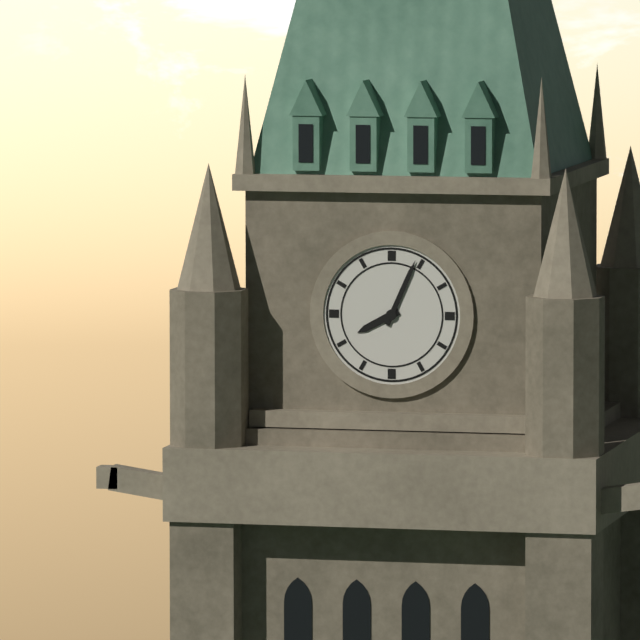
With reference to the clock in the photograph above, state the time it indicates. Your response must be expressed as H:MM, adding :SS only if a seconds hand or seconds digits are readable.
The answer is 8:04
